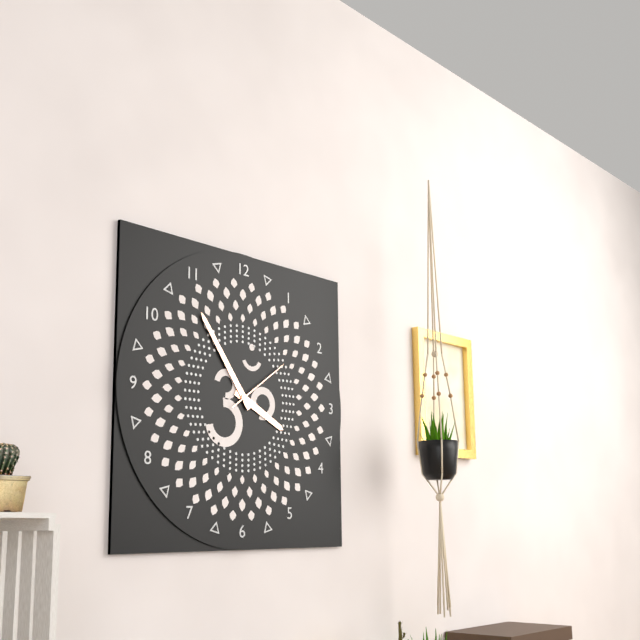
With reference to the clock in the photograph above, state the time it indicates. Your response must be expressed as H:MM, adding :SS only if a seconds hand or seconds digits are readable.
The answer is 3:54:09
